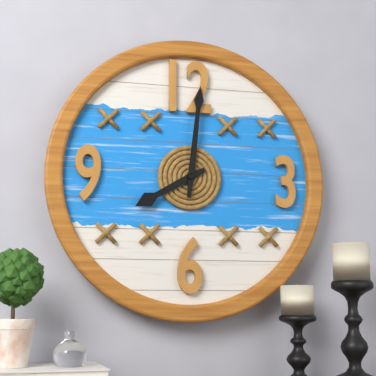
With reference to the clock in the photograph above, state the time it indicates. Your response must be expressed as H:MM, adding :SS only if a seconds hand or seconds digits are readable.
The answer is 8:01
